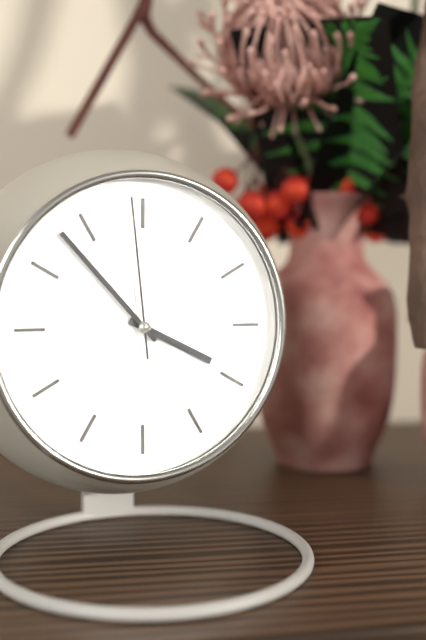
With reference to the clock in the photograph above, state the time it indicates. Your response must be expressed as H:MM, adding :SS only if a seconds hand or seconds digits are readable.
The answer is 3:53:59
